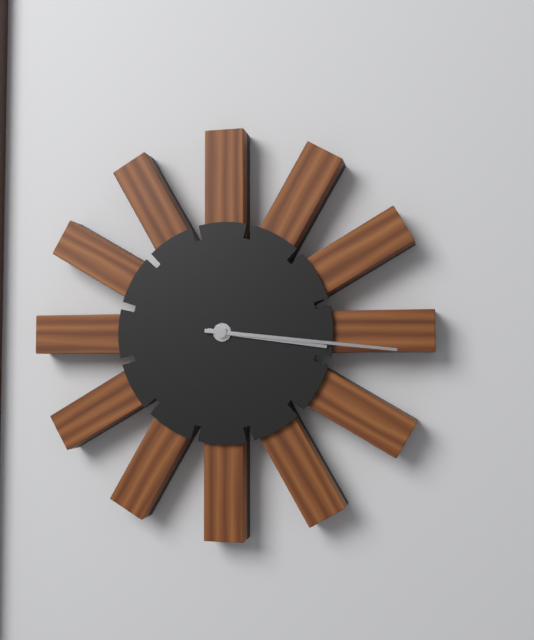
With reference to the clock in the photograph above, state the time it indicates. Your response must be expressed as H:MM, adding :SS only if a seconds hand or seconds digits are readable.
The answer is 3:16
